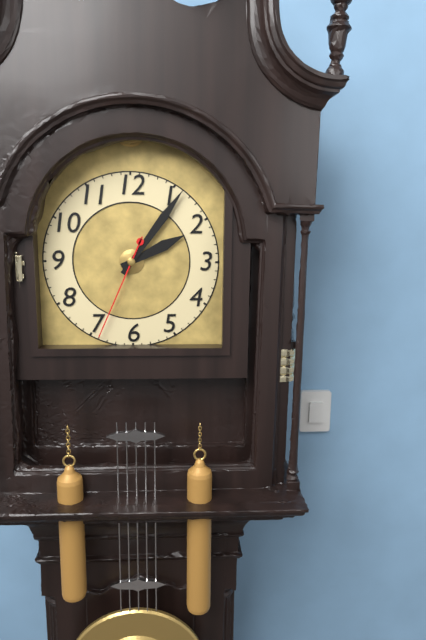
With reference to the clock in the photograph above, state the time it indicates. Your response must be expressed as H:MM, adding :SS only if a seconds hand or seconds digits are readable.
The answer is 2:06:34
